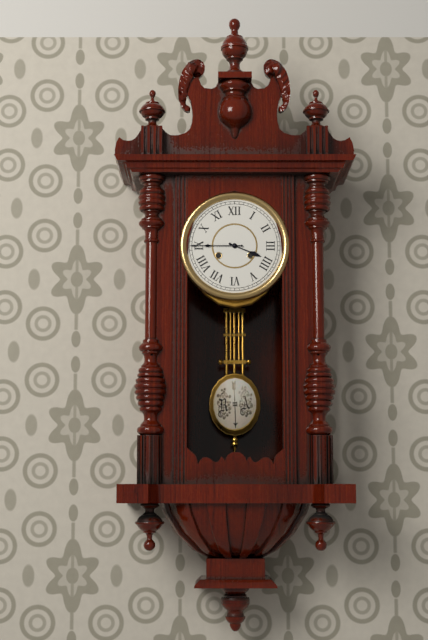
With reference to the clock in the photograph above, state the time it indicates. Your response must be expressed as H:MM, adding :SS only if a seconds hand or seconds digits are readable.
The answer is 3:45
